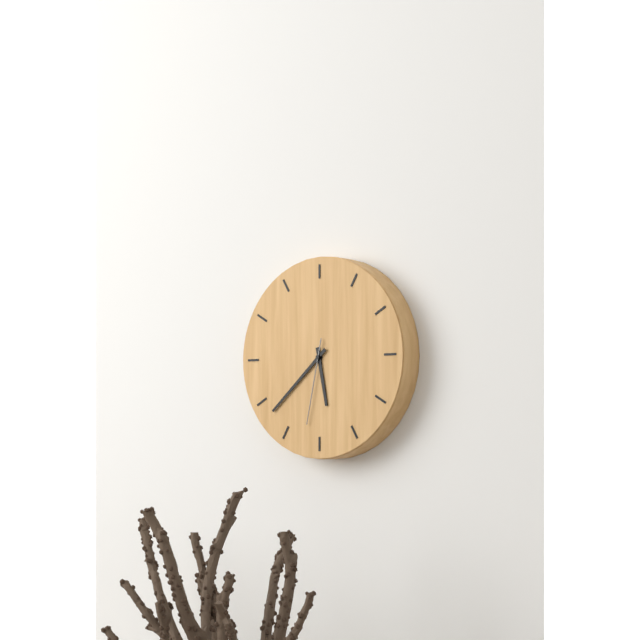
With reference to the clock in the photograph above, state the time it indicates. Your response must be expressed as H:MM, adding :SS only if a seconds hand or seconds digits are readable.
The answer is 5:38:32
